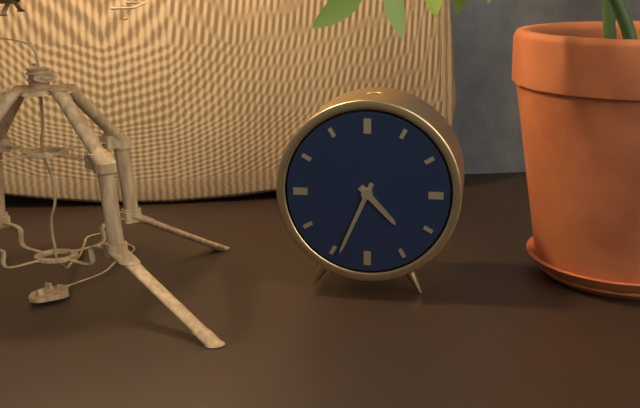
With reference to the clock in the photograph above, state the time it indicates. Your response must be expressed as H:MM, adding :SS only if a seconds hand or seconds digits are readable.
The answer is 4:34
